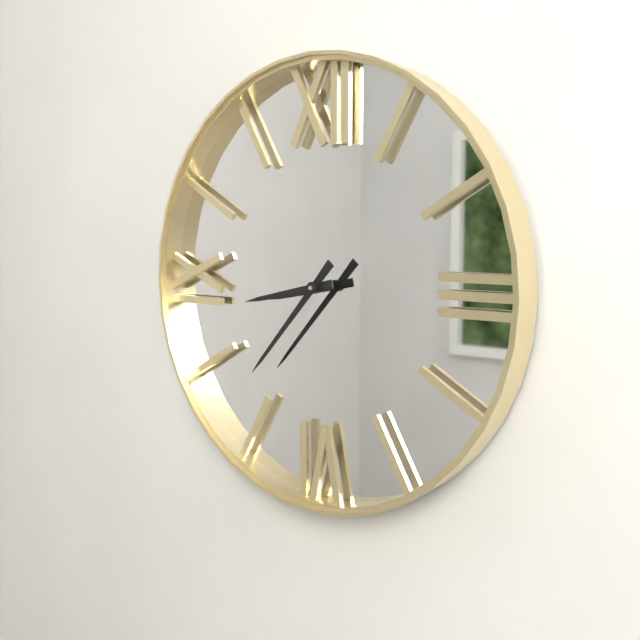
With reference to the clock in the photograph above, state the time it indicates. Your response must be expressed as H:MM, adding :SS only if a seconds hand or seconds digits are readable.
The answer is 8:37
